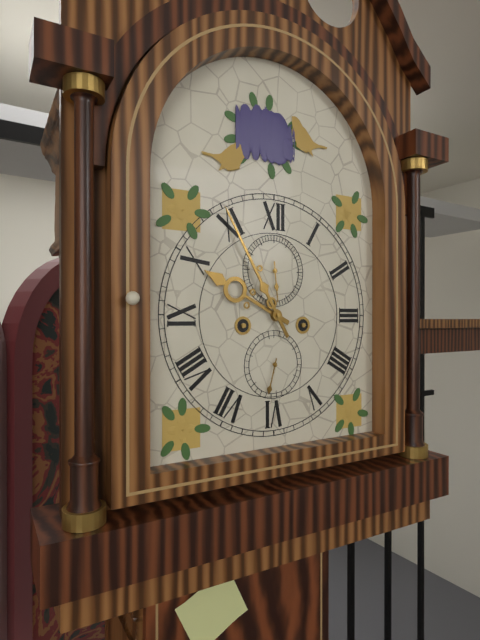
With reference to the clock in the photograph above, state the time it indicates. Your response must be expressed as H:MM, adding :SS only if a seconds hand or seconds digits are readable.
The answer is 9:55
